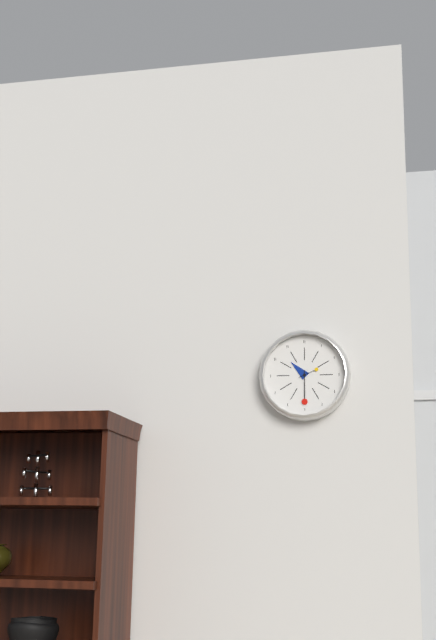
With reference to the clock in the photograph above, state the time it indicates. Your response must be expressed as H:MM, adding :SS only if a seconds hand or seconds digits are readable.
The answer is 10:30
